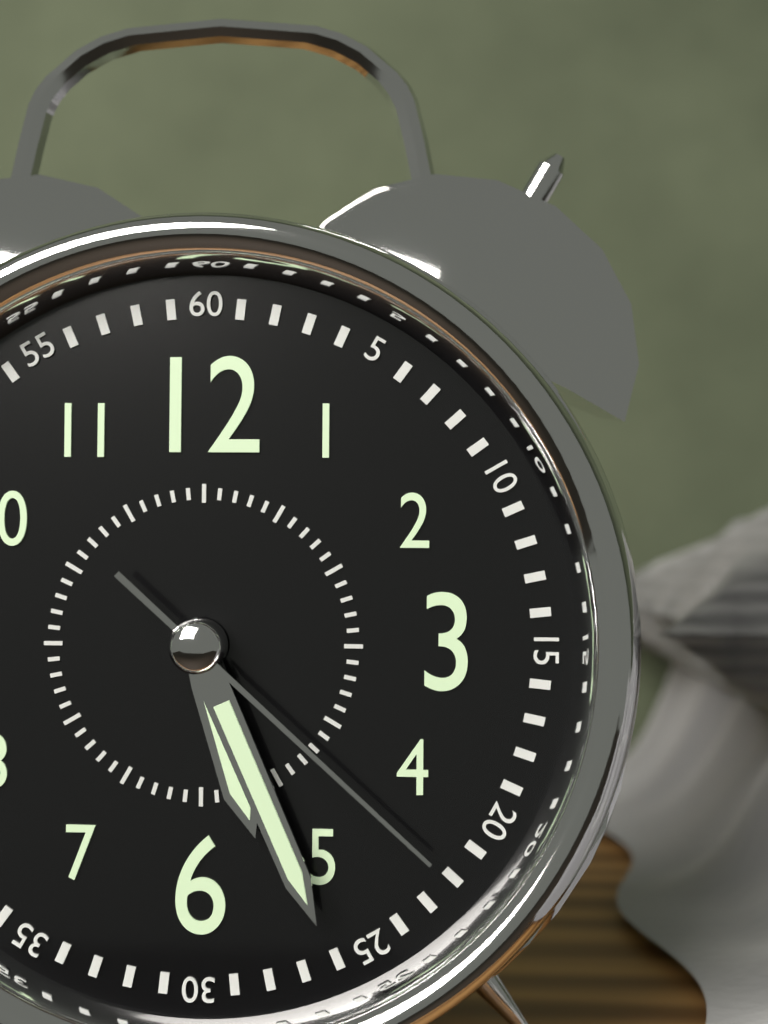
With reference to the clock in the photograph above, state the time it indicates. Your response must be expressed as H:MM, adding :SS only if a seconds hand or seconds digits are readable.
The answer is 5:26:22
